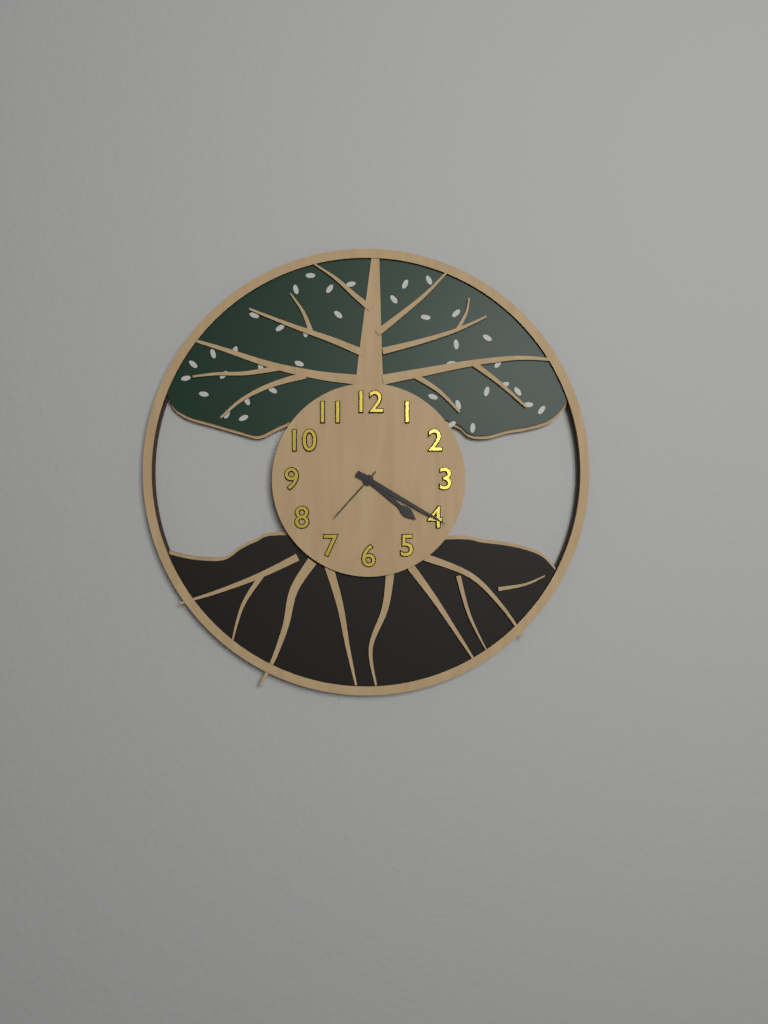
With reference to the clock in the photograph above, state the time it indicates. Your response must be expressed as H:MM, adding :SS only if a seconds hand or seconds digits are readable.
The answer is 4:20:37
